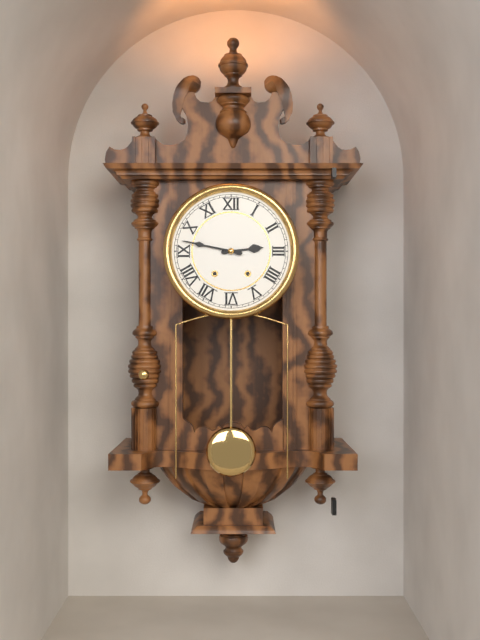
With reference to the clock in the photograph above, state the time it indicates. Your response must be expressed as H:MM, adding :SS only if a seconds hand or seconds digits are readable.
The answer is 2:47
